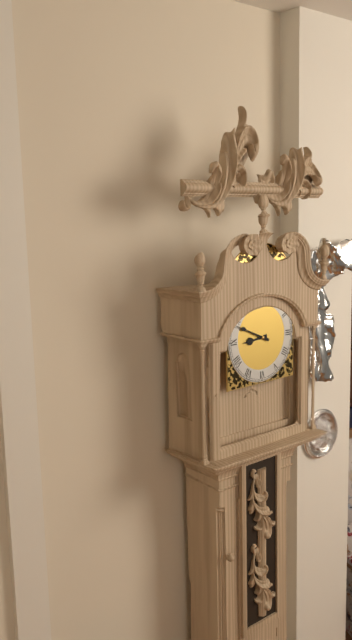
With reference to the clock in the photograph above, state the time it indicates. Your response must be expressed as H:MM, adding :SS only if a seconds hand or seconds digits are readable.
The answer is 8:49
